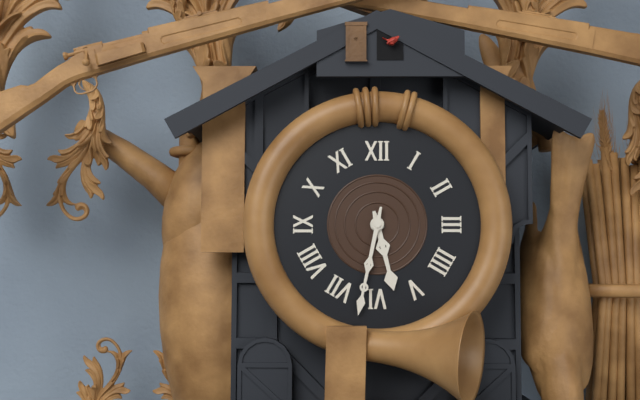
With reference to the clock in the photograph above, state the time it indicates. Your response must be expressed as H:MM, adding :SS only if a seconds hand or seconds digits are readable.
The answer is 5:32
